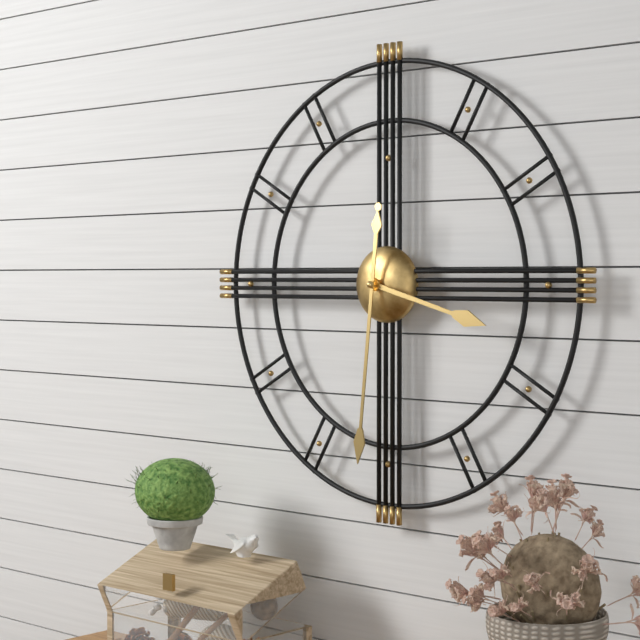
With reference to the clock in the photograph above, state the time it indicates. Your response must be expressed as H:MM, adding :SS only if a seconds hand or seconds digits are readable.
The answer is 3:31
